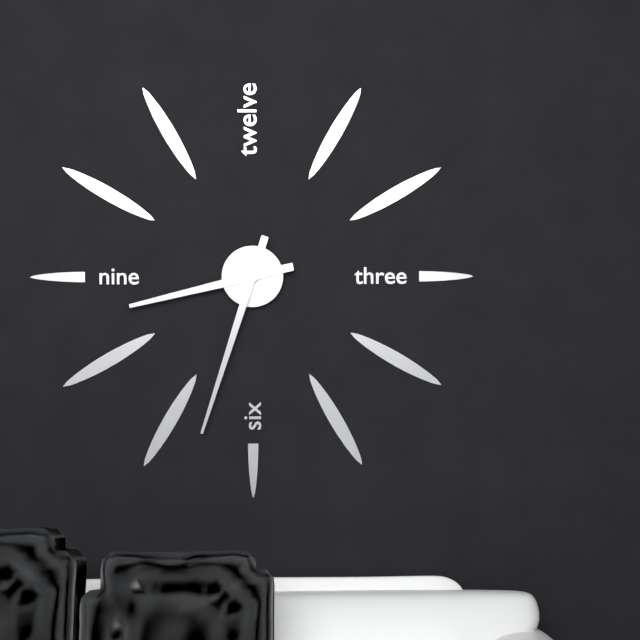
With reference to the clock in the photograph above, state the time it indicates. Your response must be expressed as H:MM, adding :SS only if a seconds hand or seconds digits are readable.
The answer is 8:33
